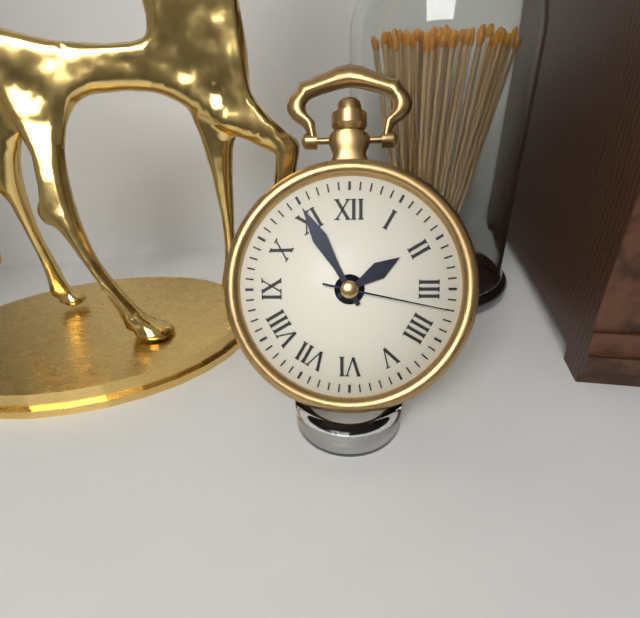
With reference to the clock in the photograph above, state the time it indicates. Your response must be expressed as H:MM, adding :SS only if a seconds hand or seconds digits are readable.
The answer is 1:55:17
